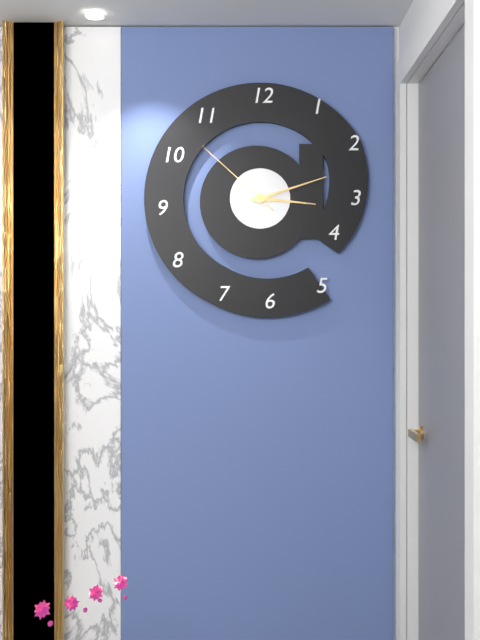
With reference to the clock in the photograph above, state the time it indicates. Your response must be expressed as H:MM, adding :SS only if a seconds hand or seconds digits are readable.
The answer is 3:12:52
